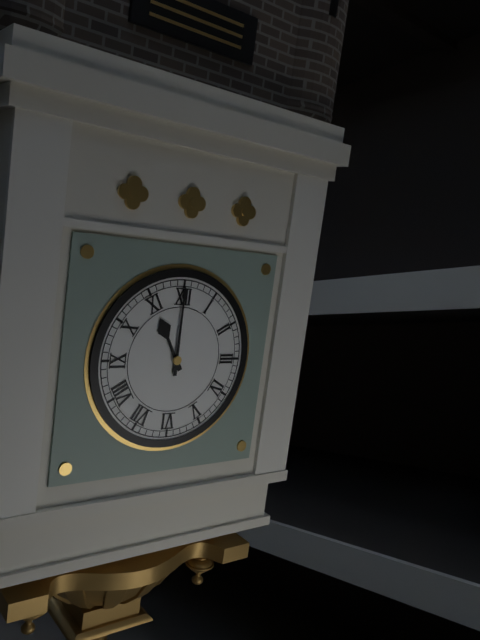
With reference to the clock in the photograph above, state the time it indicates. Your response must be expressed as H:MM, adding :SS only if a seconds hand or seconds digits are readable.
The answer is 11:00
